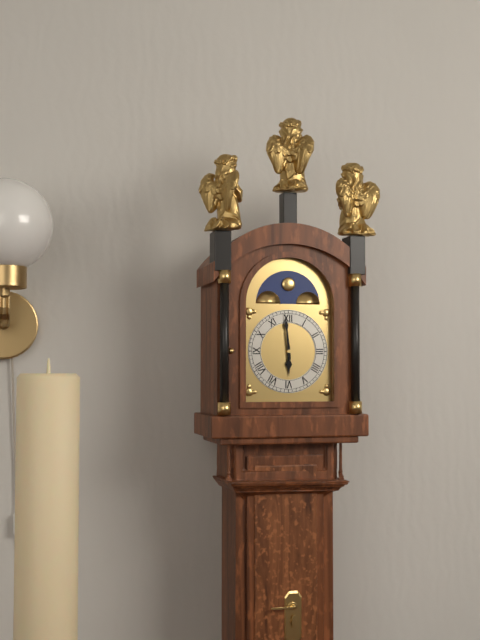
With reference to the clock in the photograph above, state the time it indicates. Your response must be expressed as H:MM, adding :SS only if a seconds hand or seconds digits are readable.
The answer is 5:59
